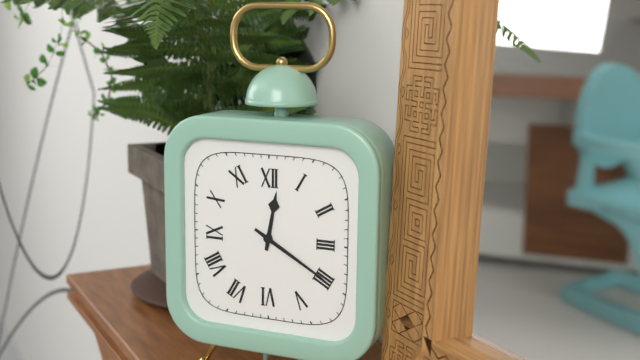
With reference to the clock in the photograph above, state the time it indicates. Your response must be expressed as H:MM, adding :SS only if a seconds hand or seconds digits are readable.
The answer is 12:20
